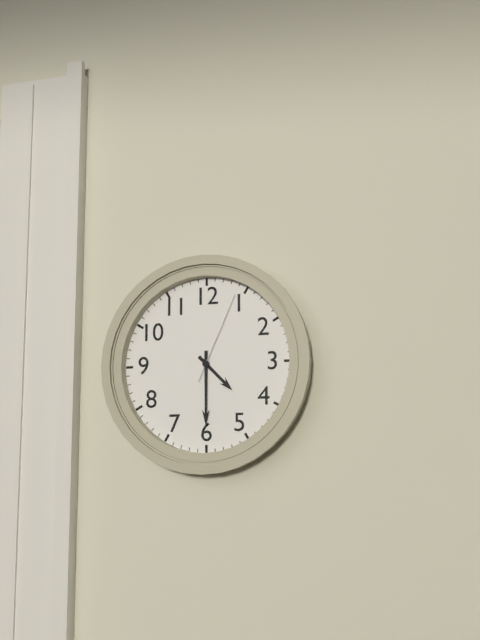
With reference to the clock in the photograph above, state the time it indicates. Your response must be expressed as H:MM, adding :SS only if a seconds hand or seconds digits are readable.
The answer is 4:30:04
